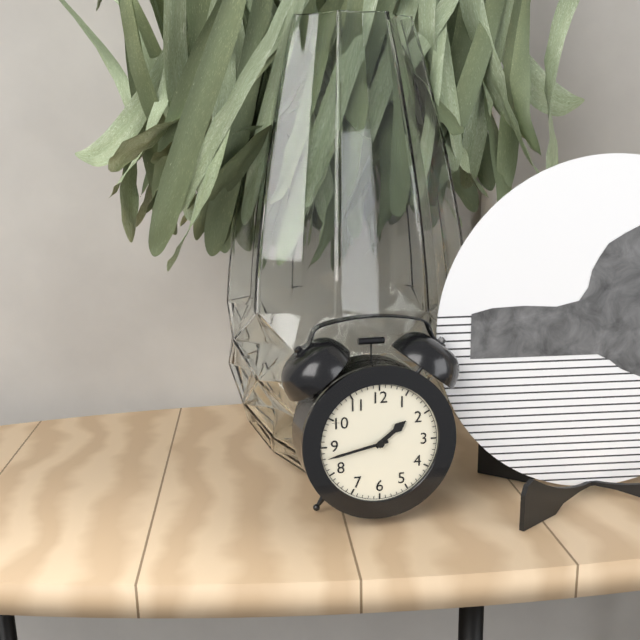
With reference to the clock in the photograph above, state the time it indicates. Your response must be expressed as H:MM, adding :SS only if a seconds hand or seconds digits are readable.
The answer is 1:43
